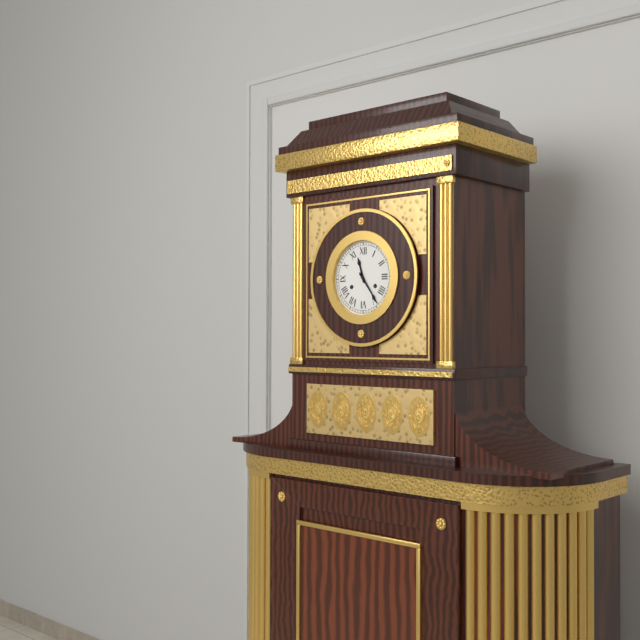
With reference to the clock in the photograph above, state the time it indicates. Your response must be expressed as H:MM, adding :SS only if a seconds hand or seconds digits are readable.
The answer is 11:24
